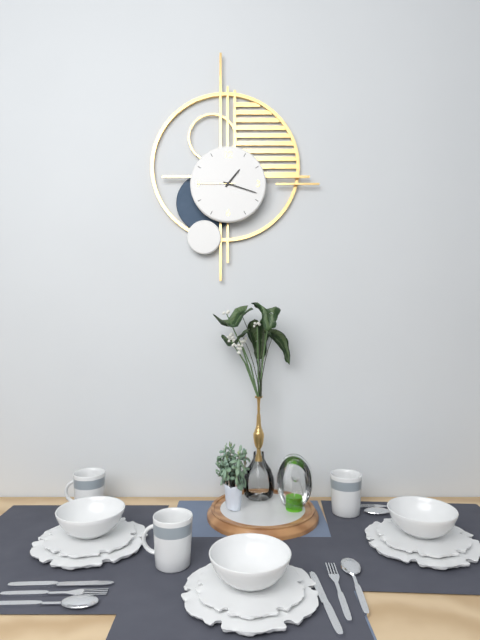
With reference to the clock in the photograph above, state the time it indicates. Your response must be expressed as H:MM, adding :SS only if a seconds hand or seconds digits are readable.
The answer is 1:18
